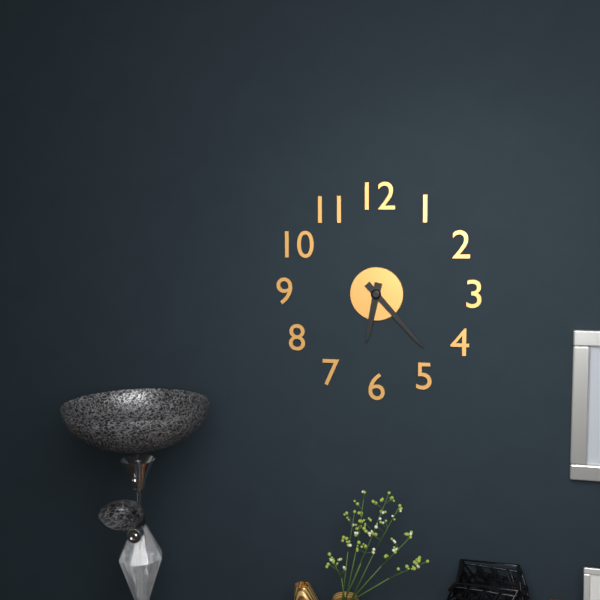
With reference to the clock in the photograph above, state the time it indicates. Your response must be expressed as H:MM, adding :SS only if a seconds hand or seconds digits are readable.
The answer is 6:23
